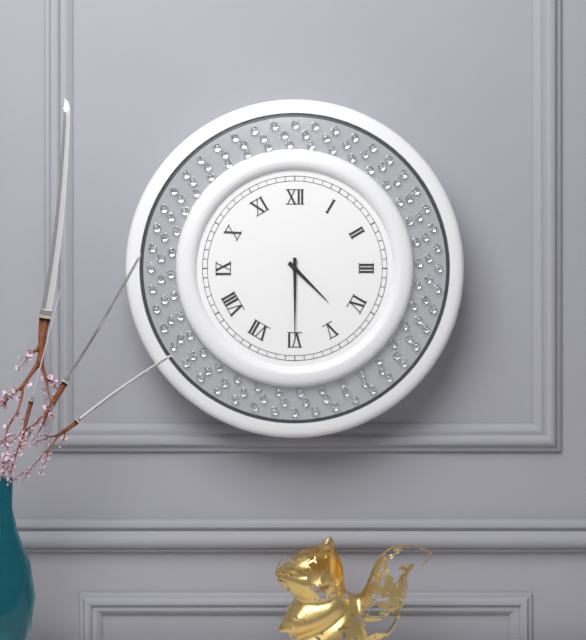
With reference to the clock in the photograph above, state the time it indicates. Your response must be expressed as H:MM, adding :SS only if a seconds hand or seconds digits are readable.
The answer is 4:30
